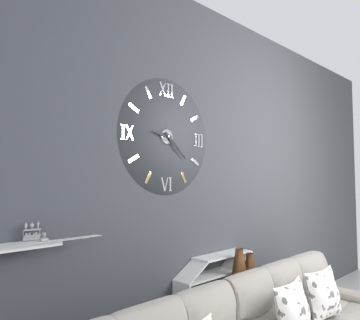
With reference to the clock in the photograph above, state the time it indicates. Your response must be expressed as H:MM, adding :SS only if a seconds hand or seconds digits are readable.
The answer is 9:22
